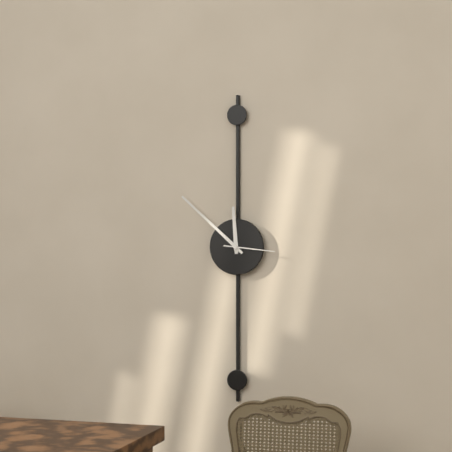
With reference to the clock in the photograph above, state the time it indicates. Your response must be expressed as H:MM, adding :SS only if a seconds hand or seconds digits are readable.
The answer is 11:52
